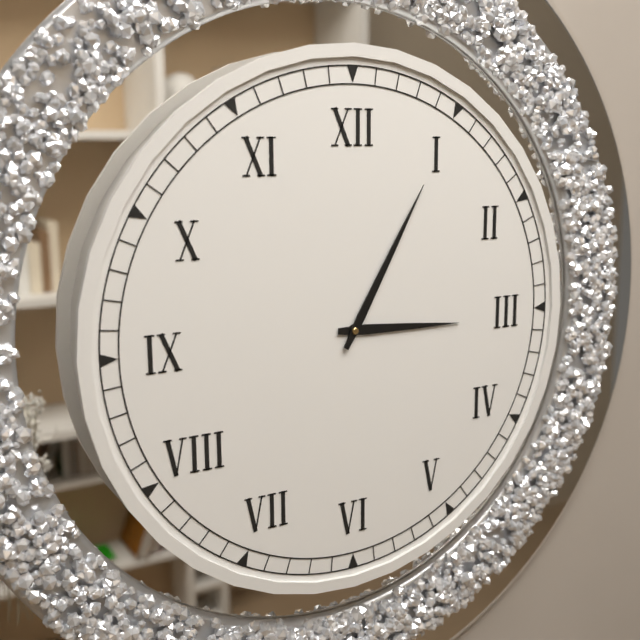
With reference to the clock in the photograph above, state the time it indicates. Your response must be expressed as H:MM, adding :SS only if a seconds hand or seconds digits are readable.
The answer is 3:05
